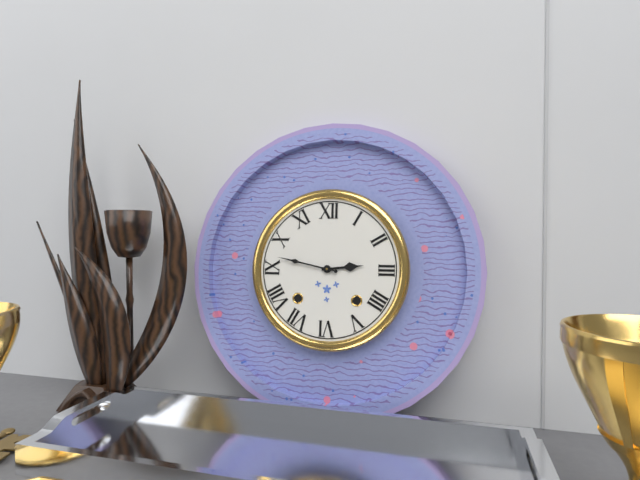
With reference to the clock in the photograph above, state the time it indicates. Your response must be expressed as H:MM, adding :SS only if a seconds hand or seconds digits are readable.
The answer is 2:47
